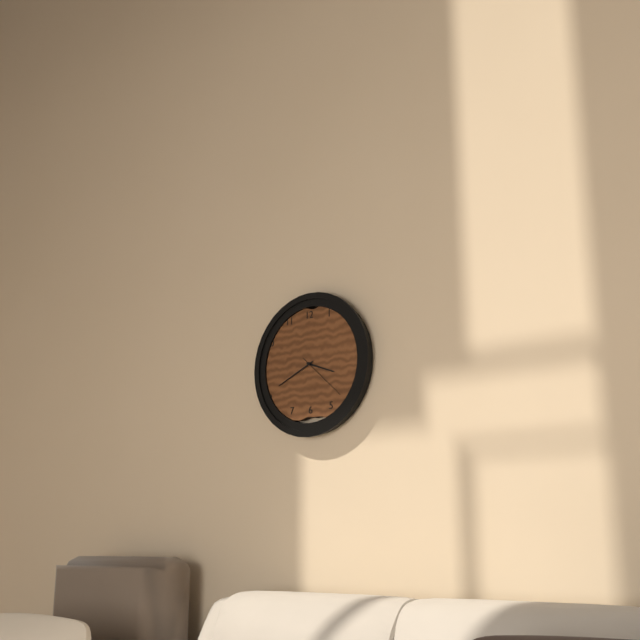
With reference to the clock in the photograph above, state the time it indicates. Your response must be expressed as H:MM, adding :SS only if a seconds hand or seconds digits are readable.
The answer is 3:41:22
